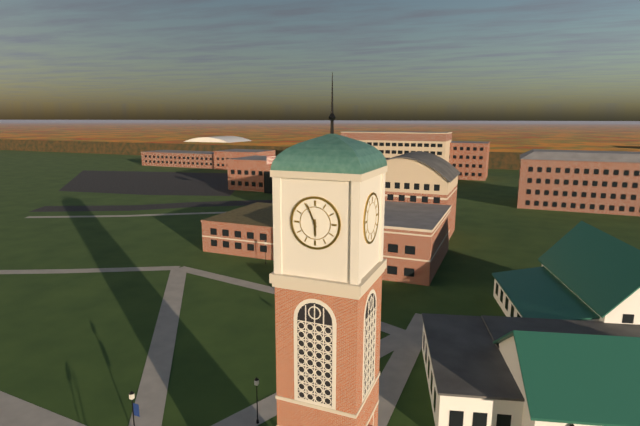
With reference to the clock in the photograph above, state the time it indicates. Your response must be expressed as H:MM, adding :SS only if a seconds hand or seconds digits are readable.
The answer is 5:56
